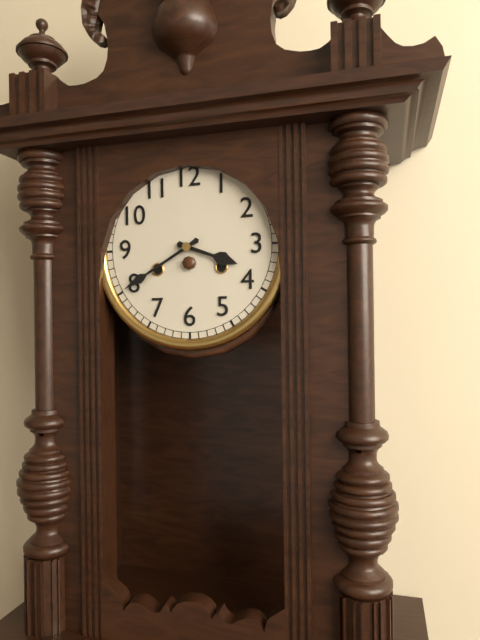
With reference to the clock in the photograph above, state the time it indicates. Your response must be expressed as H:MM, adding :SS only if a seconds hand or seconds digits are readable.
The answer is 3:40
